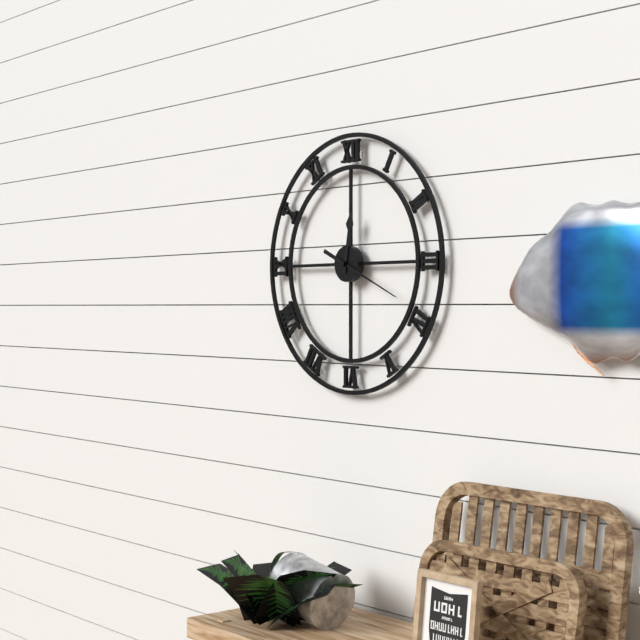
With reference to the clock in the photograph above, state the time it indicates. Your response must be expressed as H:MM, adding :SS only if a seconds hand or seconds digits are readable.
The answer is 12:19
